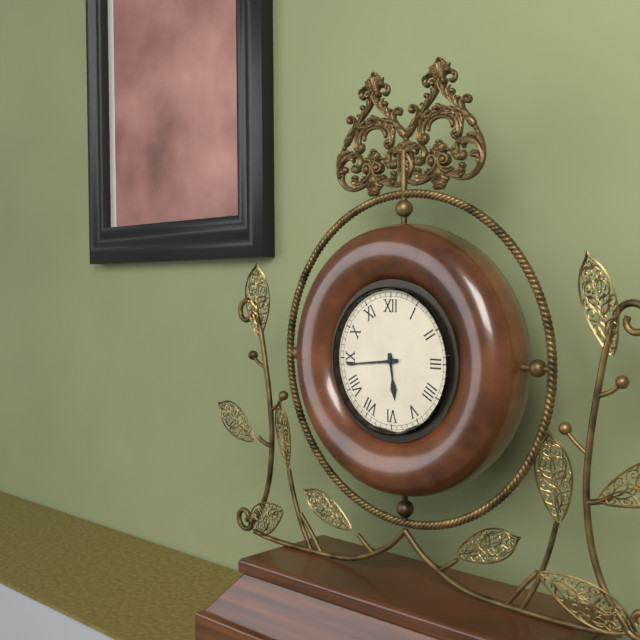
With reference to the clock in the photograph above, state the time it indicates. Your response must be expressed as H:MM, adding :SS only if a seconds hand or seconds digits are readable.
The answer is 5:44
